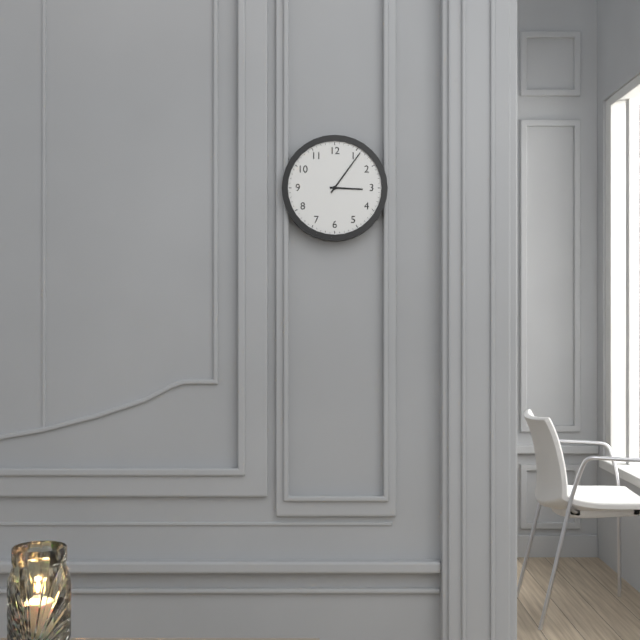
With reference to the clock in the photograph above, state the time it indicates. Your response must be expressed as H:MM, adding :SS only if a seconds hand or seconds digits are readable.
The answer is 3:06
